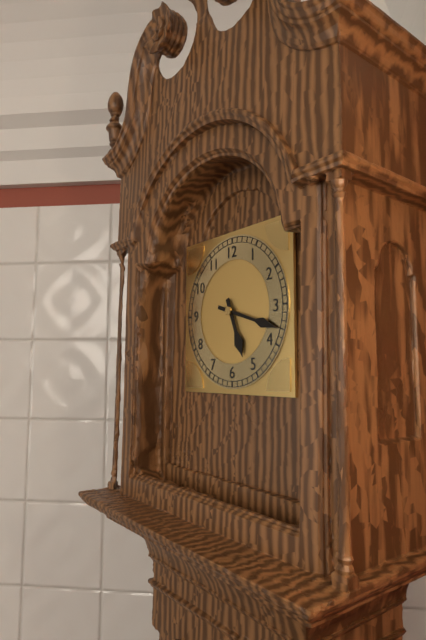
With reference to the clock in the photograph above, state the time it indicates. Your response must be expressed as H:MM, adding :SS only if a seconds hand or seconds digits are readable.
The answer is 5:18
